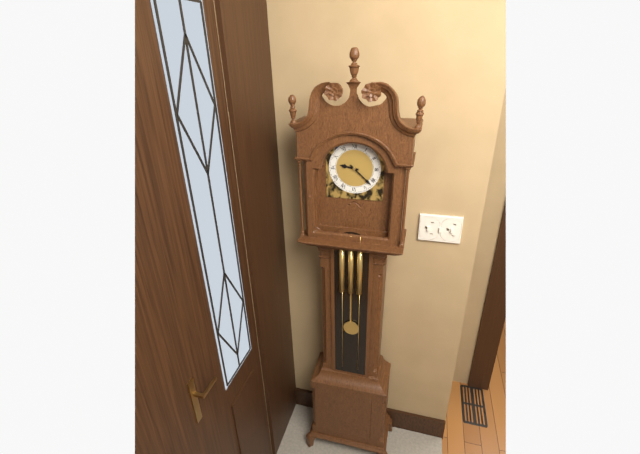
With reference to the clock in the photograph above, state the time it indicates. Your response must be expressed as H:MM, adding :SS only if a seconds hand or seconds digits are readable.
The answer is 9:22
